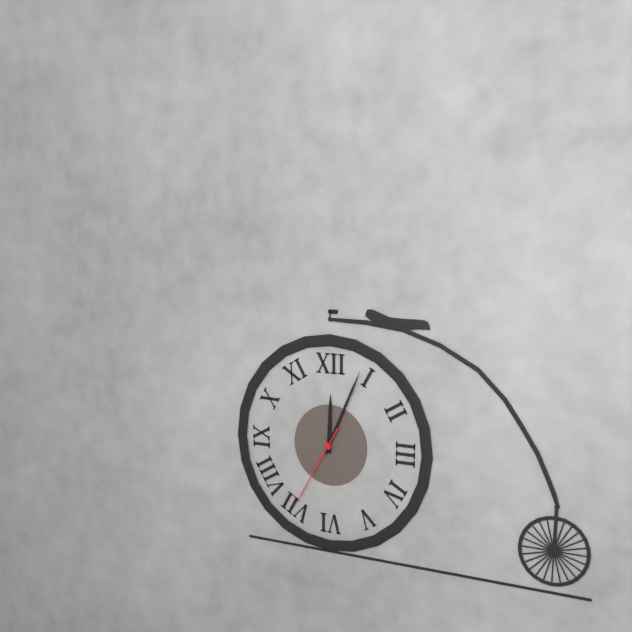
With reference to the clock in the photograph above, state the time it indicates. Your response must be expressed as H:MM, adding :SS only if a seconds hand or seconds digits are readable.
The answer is 12:04:35
